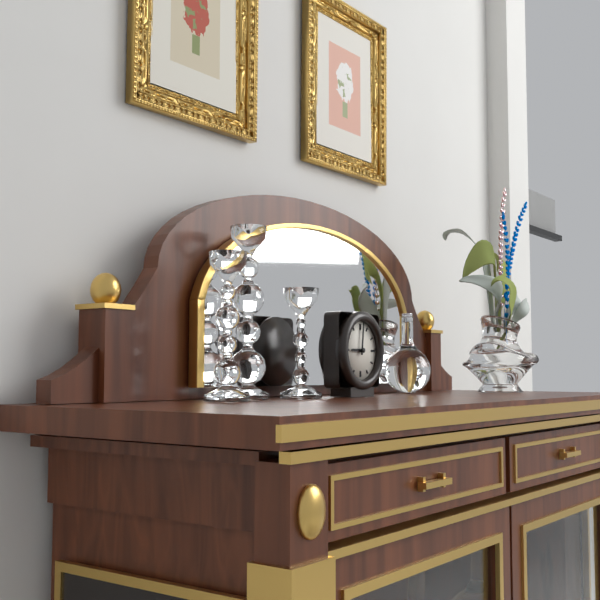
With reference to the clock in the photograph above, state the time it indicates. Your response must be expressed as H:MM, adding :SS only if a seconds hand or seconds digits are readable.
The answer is 9:01
